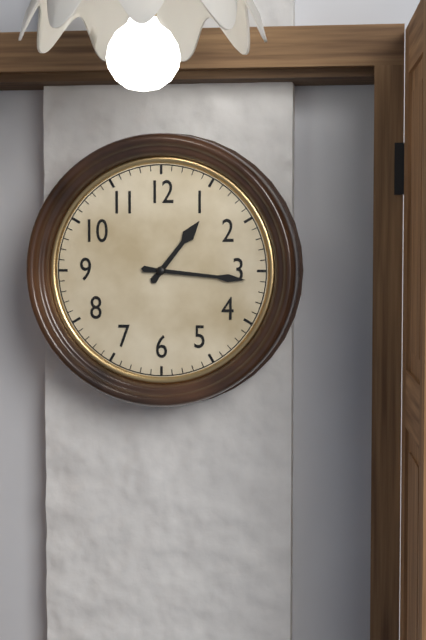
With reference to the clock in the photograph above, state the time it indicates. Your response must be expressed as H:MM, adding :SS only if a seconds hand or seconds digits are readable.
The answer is 1:16
